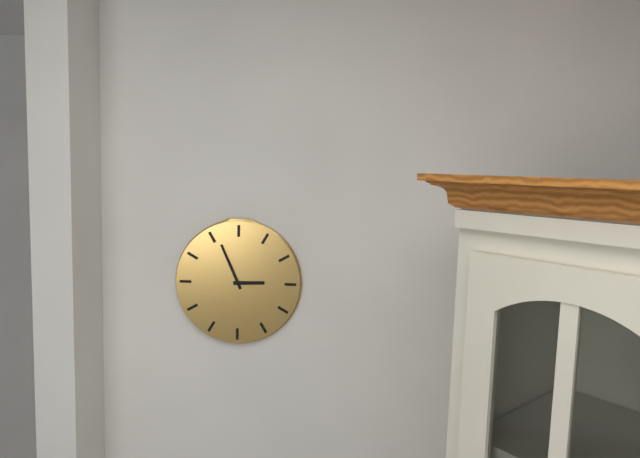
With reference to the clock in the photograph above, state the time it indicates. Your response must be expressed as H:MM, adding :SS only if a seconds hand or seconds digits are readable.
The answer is 2:56
